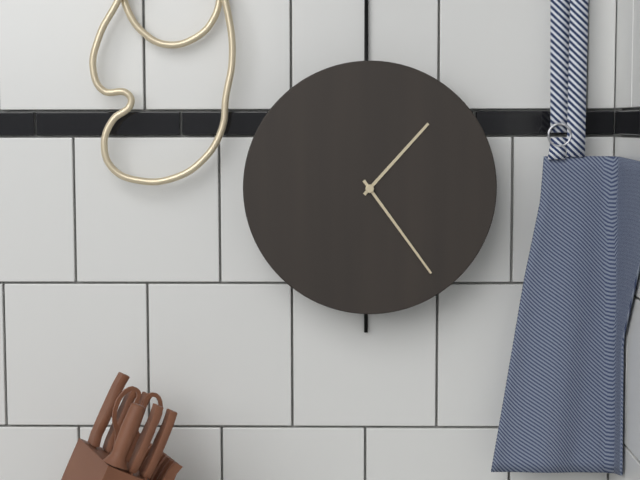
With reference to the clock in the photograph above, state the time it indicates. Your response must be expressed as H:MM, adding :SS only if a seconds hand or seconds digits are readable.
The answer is 1:24
